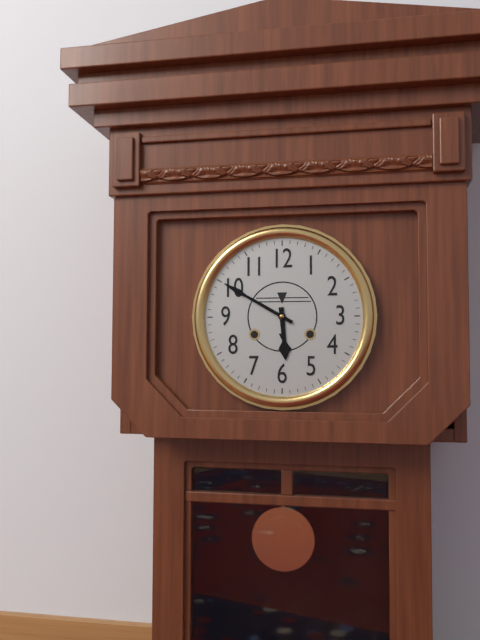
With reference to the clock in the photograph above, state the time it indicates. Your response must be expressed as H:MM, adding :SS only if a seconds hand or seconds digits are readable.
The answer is 5:50
